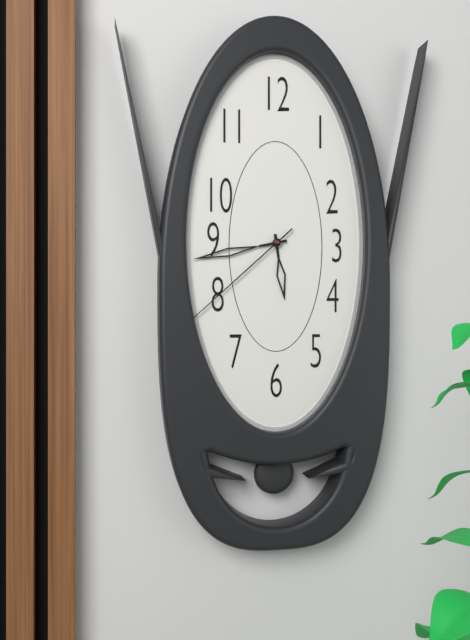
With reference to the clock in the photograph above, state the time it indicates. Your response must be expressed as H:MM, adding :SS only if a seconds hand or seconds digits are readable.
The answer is 5:43:38
